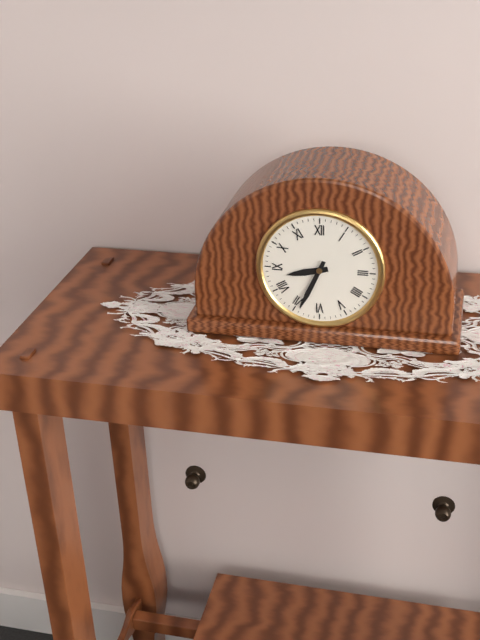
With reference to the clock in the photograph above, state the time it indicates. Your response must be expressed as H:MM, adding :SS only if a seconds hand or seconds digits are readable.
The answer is 8:34
